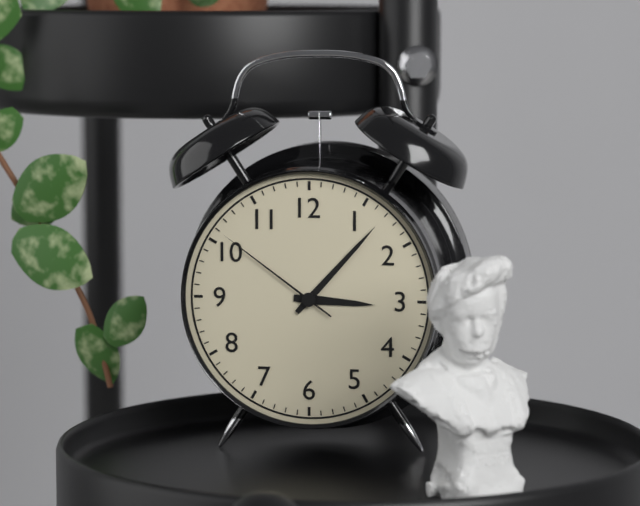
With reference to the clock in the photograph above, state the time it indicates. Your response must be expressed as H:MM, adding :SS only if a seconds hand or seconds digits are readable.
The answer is 3:07:51
